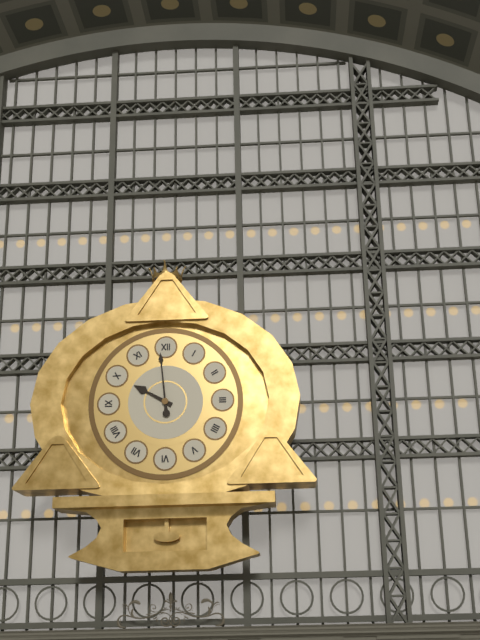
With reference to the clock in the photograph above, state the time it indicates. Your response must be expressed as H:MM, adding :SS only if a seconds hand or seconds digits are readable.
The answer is 9:59
